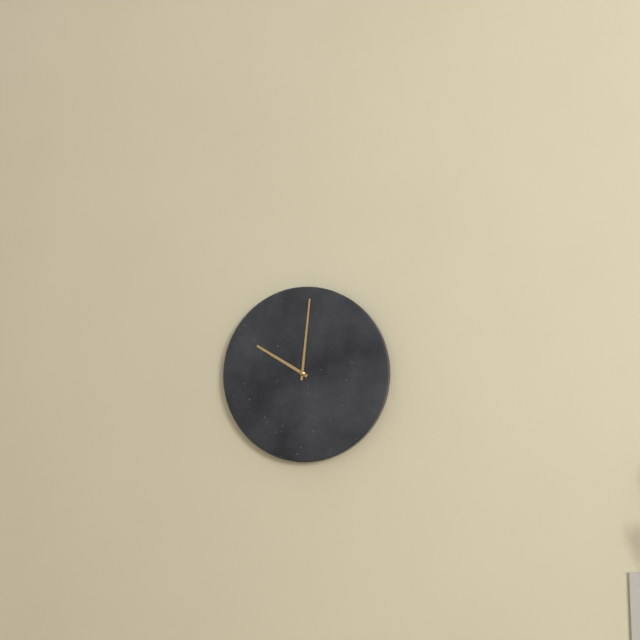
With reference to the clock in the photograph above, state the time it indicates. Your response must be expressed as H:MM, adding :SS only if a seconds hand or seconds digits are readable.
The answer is 10:01
